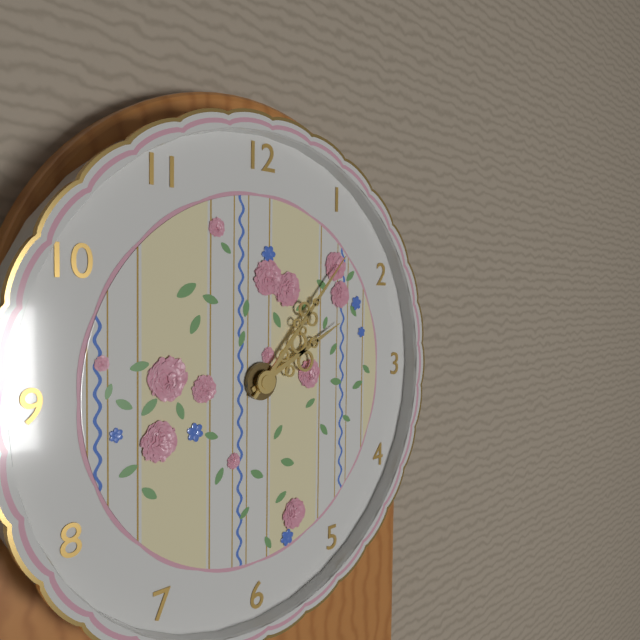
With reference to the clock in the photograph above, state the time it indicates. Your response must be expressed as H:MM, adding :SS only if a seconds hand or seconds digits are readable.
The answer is 2:07
